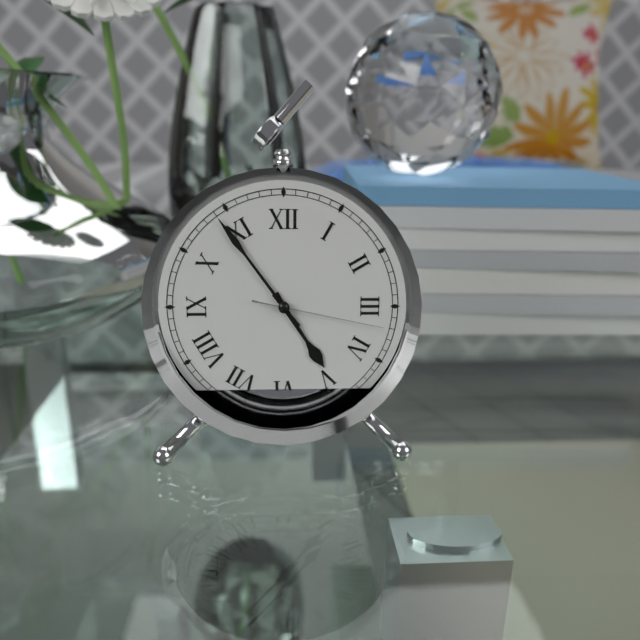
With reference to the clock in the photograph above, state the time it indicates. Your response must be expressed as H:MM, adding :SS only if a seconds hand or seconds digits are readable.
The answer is 4:54:17
